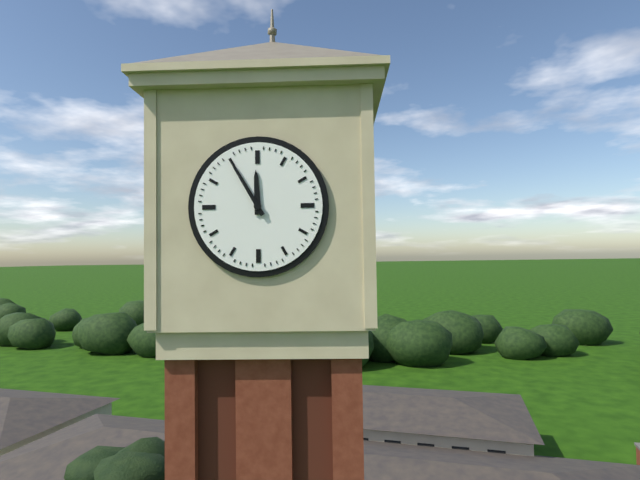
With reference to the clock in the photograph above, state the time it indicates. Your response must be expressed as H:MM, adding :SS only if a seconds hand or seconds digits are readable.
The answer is 11:55
